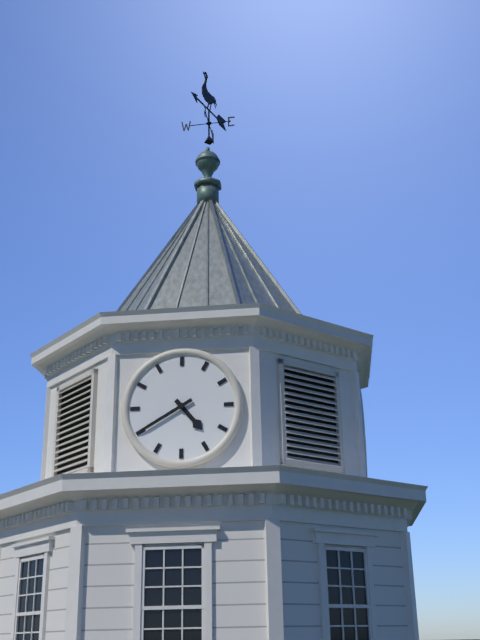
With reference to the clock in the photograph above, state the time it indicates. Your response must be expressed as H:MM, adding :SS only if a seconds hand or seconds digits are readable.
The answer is 4:40
